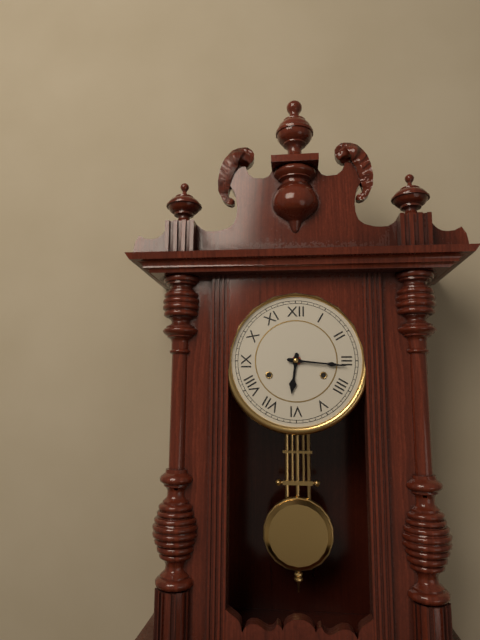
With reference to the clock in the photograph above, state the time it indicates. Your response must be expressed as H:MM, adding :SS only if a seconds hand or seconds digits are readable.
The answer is 6:16
